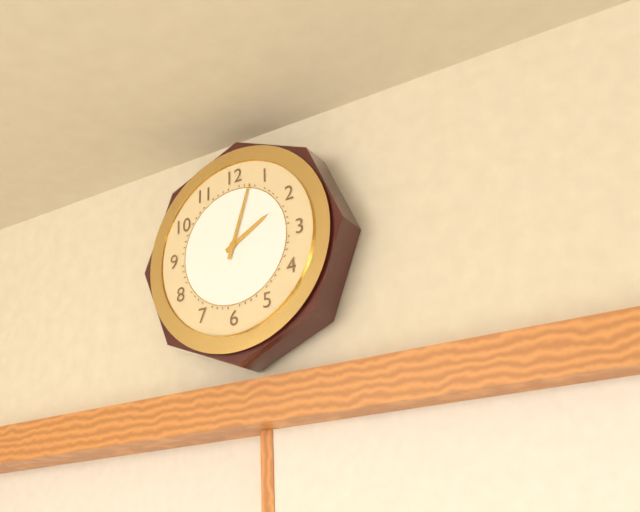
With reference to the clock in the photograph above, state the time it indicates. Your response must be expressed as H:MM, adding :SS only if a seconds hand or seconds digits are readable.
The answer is 2:03
